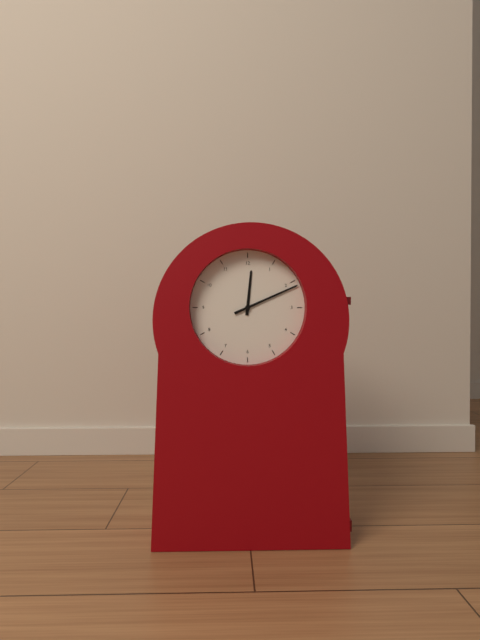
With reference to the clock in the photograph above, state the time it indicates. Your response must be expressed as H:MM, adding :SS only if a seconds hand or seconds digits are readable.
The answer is 12:11
